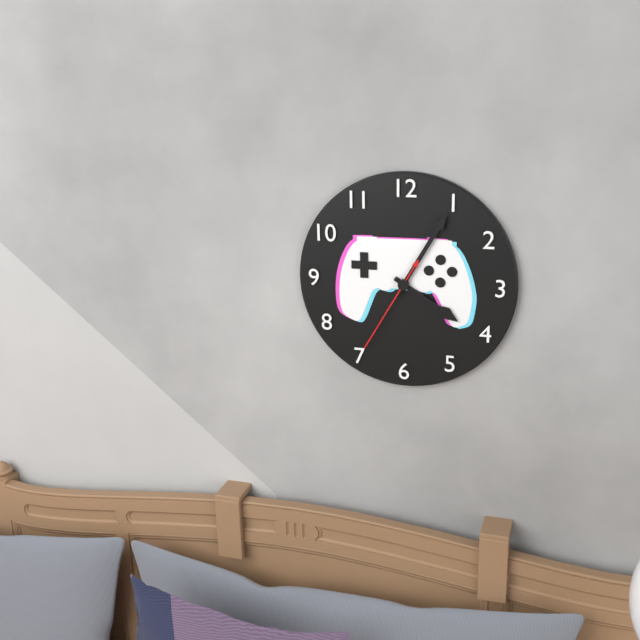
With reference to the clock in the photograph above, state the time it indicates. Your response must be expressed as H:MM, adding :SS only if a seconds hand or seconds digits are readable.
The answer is 4:05:35
